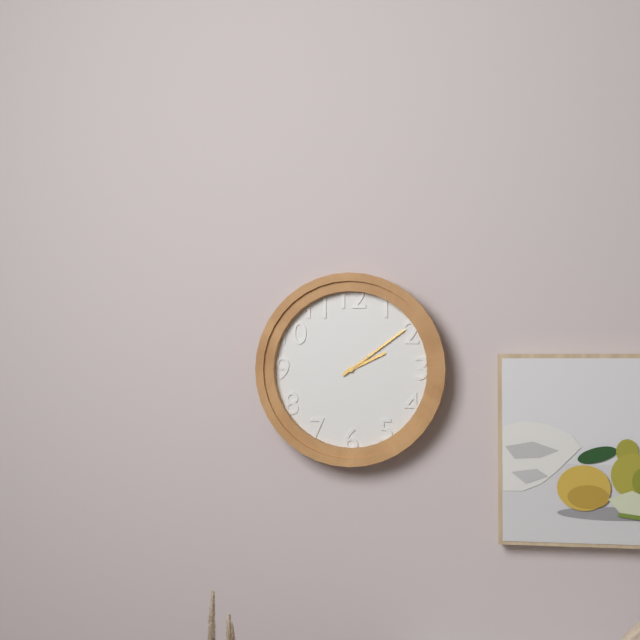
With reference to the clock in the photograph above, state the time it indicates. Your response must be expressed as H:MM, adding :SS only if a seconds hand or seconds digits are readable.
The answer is 2:09
